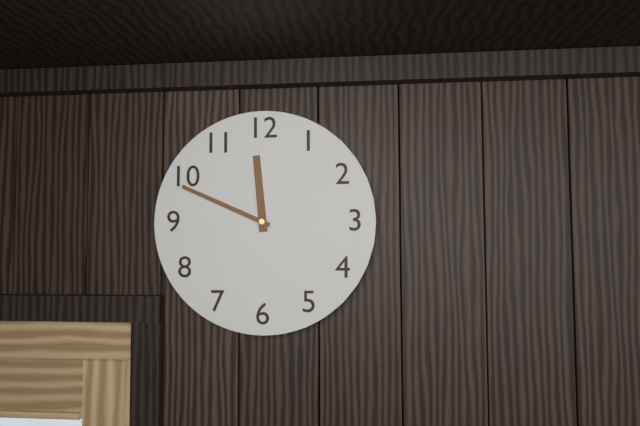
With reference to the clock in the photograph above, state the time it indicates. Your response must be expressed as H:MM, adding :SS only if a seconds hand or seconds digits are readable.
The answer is 11:49
